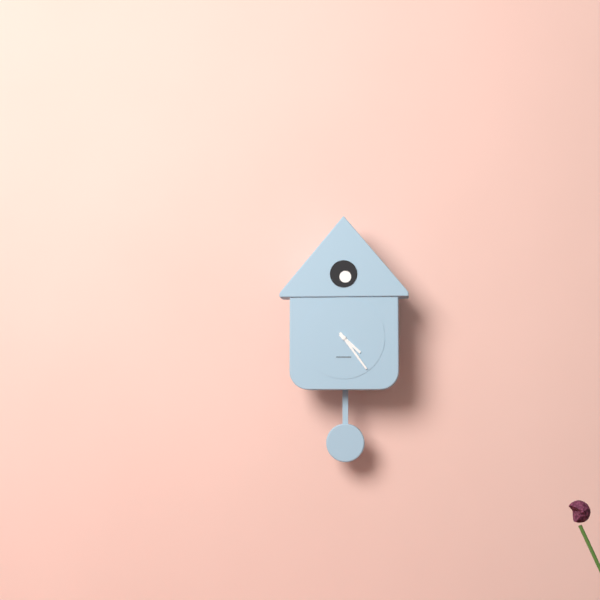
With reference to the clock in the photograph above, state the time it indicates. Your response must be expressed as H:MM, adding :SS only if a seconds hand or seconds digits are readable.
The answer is 4:24
